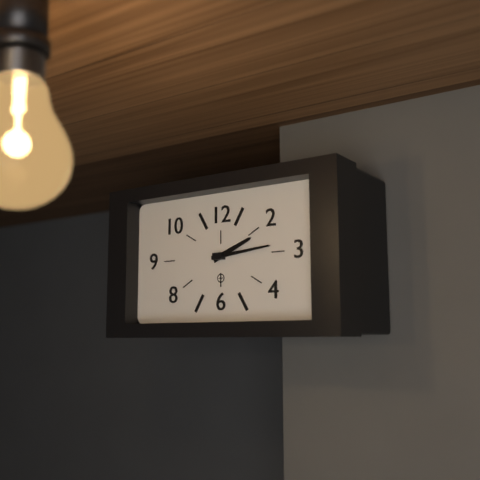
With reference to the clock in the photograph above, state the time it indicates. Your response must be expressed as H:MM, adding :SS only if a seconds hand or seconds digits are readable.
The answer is 2:14
